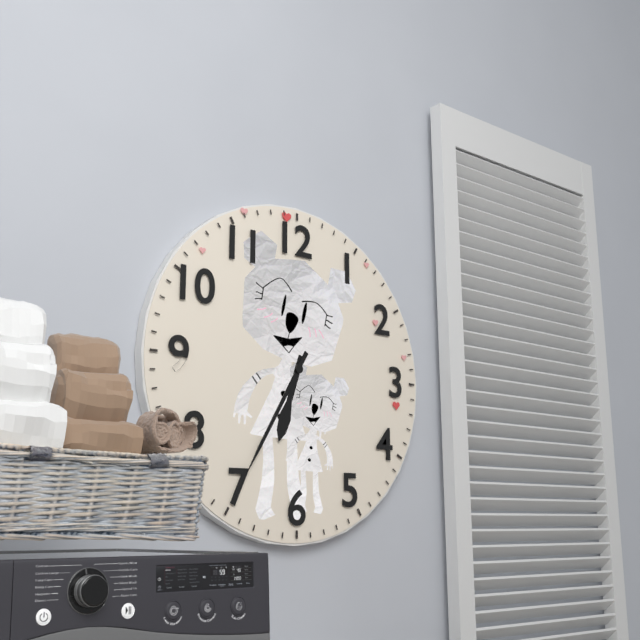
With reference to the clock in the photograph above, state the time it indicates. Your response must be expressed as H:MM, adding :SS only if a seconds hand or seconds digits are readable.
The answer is 6:35
